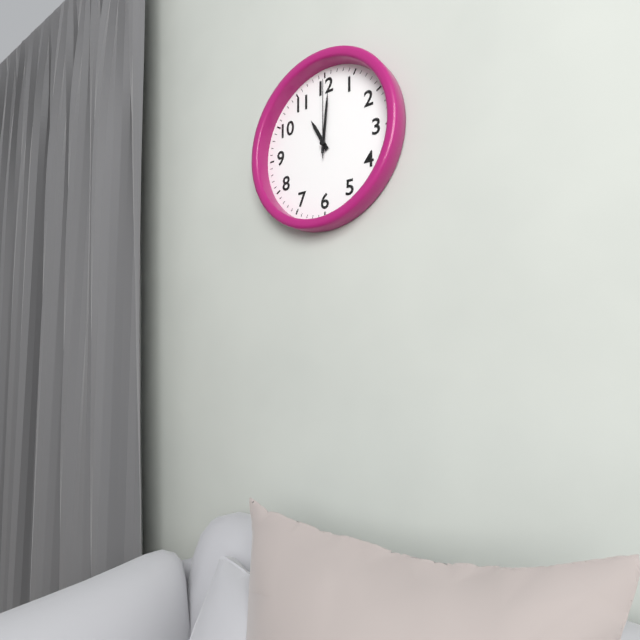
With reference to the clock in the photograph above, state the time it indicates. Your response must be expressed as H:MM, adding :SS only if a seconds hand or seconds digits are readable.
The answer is 11:01:00
